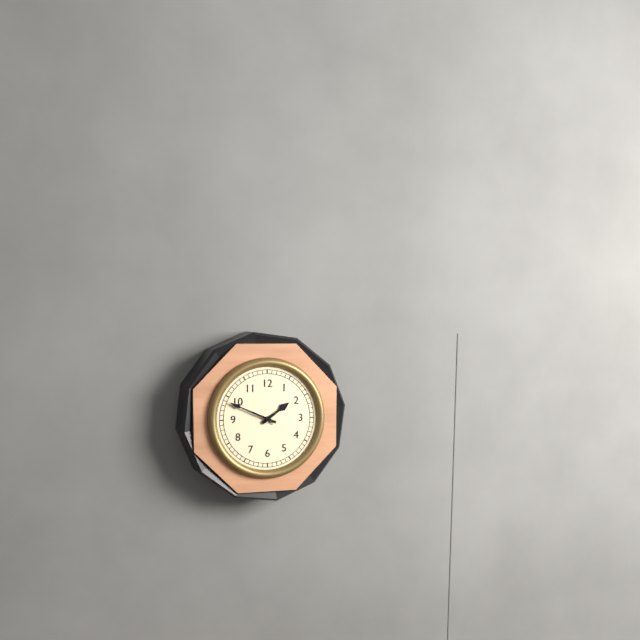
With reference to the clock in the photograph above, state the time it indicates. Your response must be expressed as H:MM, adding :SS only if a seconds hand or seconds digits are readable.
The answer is 1:49
